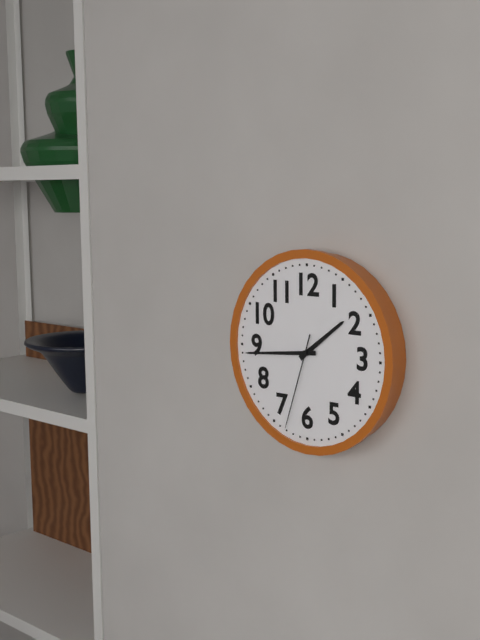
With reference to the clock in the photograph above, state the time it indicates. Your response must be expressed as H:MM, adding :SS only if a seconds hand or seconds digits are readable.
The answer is 1:44:33
